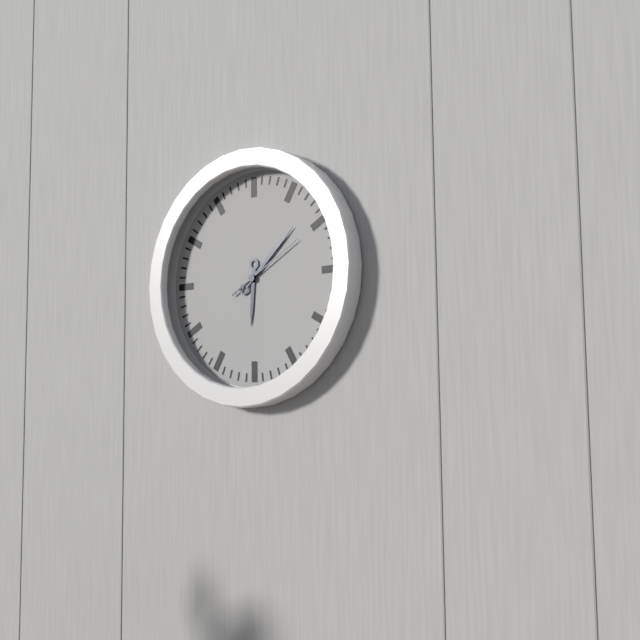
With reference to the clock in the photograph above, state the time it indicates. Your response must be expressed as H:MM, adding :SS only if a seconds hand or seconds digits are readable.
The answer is 6:08:10
